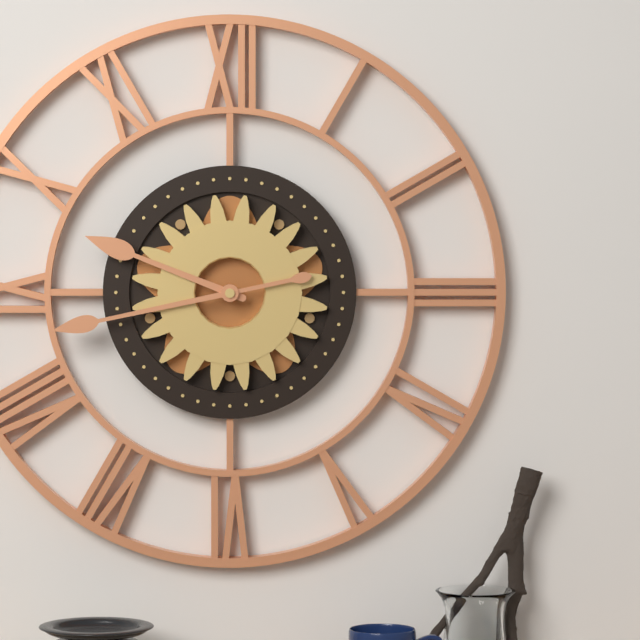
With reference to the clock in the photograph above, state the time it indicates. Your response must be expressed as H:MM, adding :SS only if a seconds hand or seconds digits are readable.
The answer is 9:43
